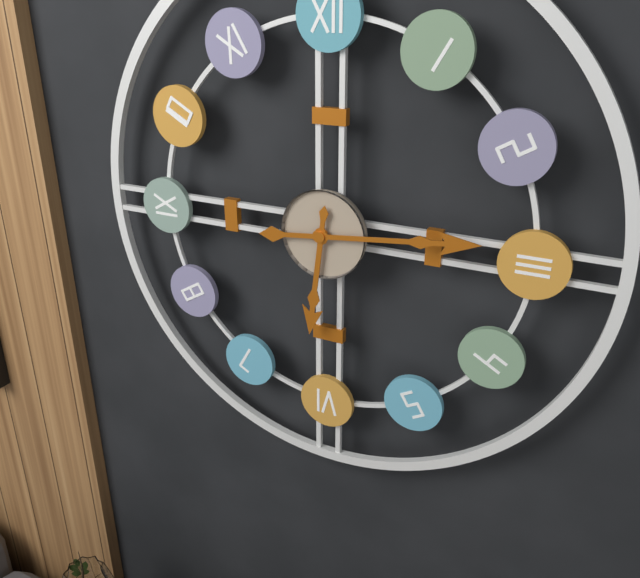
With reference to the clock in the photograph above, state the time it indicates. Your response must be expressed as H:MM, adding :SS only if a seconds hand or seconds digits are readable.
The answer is 6:14
